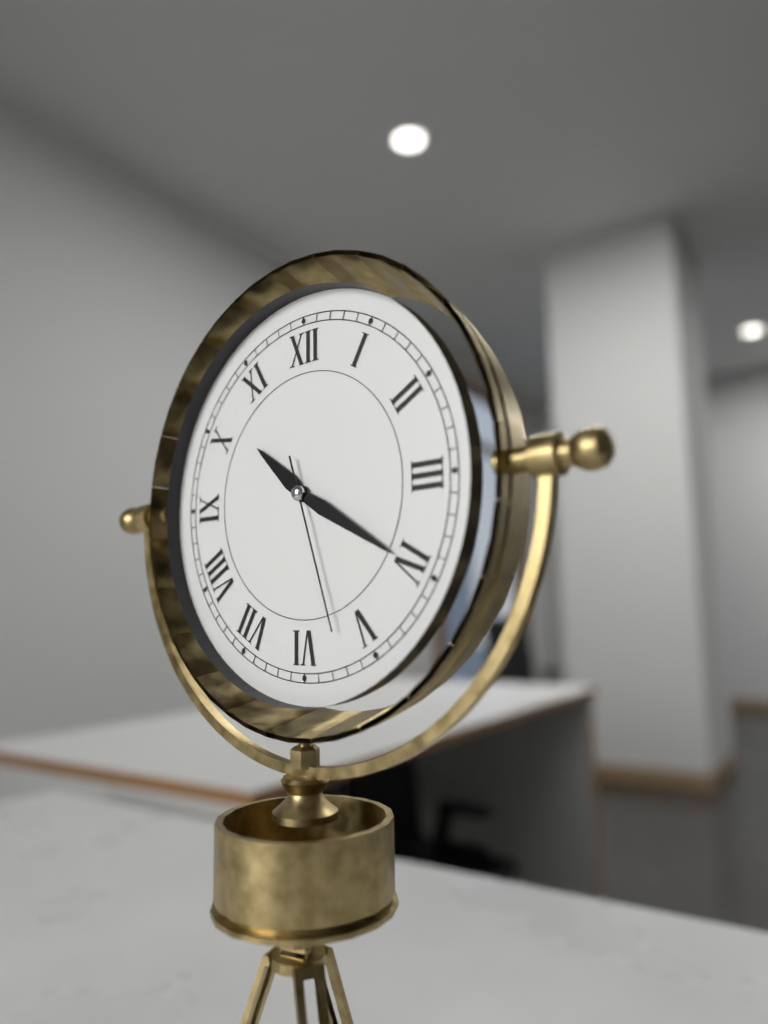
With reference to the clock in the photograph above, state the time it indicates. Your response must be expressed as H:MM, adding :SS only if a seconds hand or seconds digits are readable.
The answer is 10:20:27
